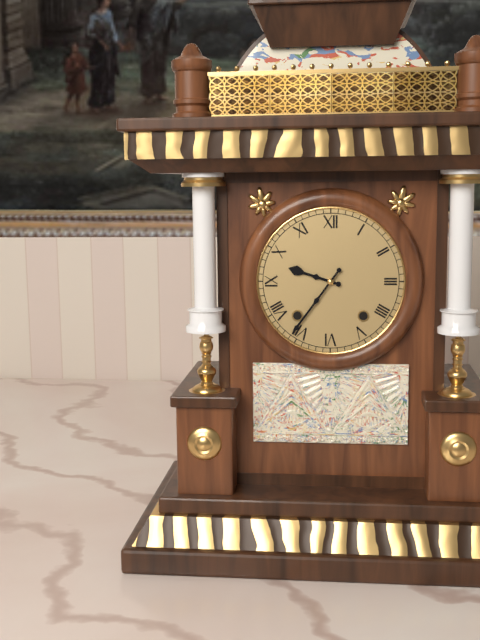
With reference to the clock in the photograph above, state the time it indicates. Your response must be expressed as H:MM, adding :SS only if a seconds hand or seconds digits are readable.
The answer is 9:36
